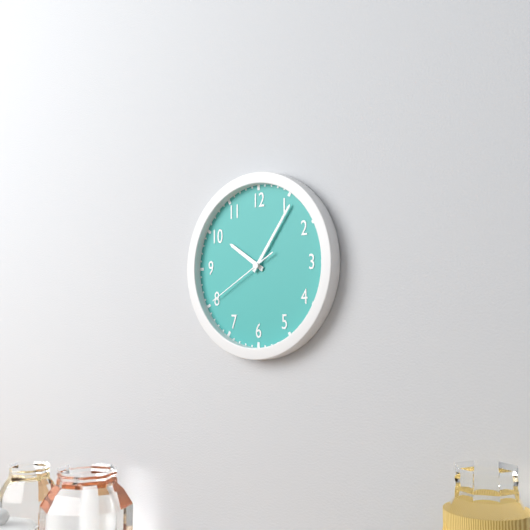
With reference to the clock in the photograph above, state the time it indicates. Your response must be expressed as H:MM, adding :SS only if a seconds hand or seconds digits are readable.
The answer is 10:06:40
